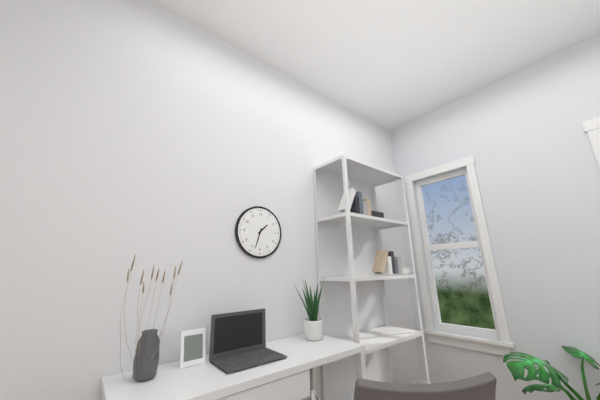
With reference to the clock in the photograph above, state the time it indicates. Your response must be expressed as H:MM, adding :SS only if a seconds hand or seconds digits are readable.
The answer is 1:33
